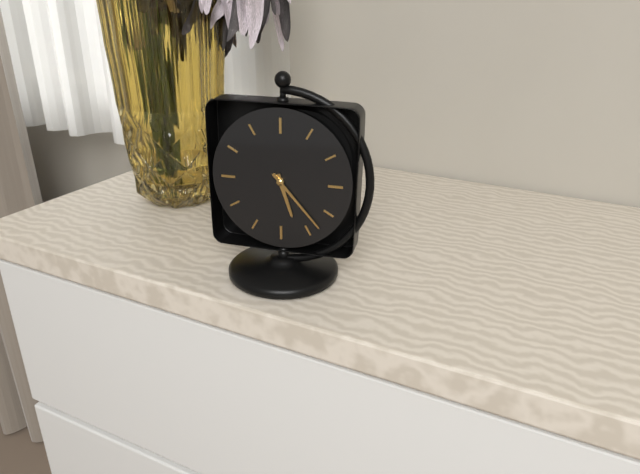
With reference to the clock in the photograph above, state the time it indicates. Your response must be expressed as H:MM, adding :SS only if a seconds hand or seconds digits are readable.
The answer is 5:23
